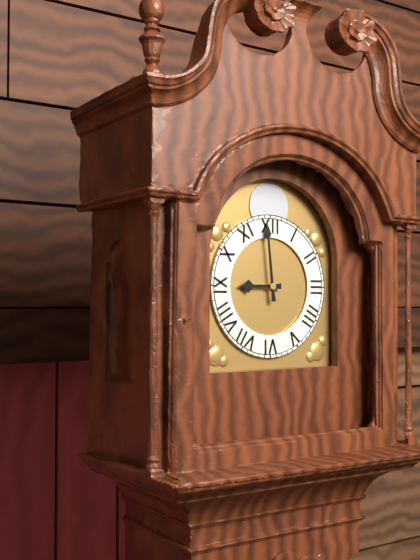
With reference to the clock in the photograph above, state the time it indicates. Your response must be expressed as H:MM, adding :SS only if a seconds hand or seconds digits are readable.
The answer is 8:59
